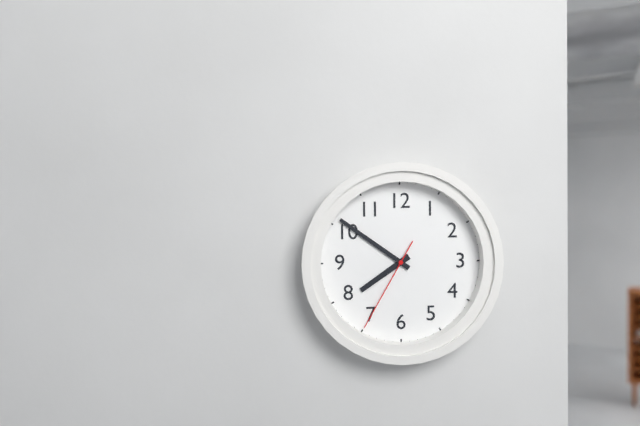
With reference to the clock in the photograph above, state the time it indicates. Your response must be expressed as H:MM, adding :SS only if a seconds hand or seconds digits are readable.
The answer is 7:51:35
